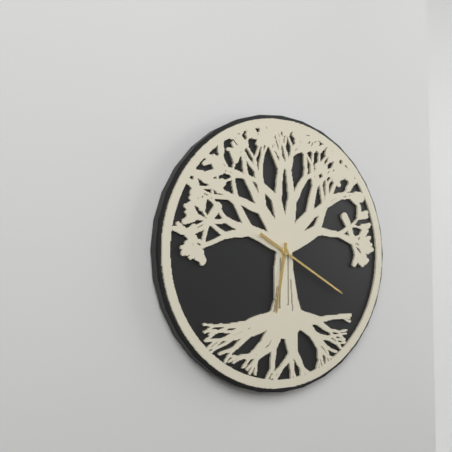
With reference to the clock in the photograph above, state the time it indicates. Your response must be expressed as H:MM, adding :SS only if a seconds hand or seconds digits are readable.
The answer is 6:20
